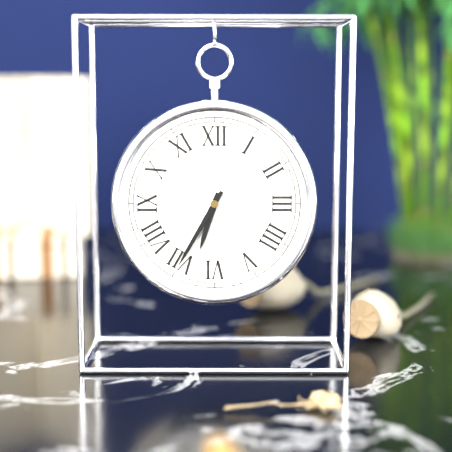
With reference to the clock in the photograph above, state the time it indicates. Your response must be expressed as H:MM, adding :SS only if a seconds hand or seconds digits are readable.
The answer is 6:35
